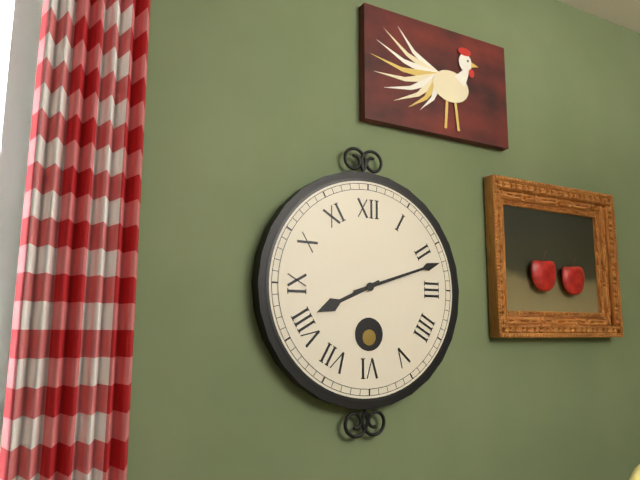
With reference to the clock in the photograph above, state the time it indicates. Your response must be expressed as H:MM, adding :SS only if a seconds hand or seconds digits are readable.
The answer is 8:12
